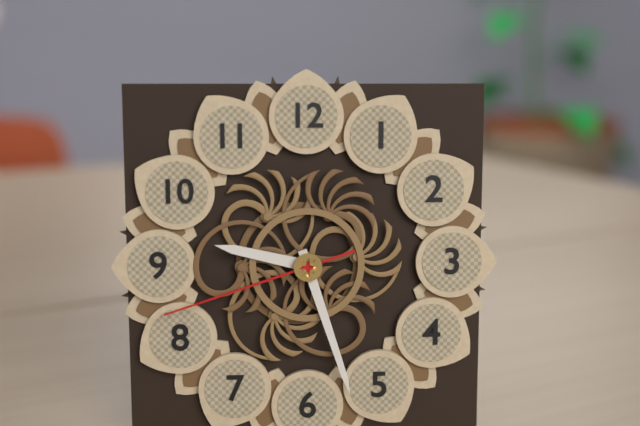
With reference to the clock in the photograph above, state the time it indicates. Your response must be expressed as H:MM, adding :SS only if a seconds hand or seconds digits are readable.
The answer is 9:27:42
